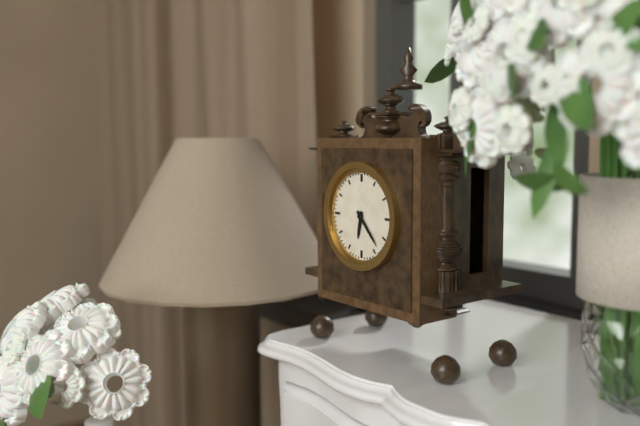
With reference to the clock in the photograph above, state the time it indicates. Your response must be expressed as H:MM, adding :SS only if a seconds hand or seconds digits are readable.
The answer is 6:23
